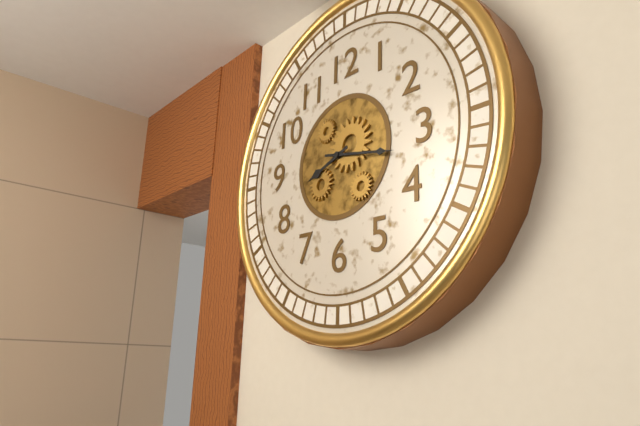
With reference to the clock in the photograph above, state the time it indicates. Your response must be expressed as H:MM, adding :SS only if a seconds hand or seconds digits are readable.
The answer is 8:17
